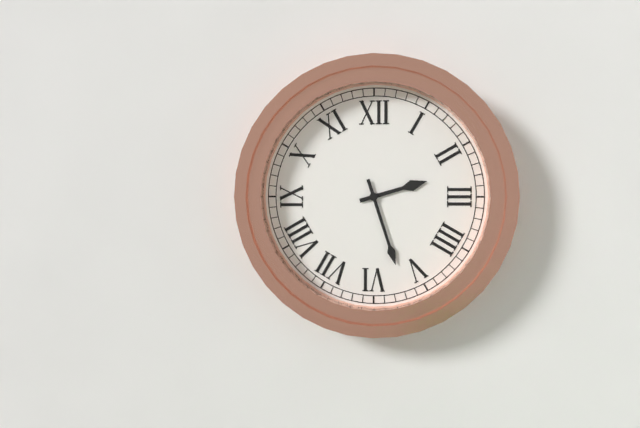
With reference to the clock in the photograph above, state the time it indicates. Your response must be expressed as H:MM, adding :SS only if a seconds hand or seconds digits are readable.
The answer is 2:27
